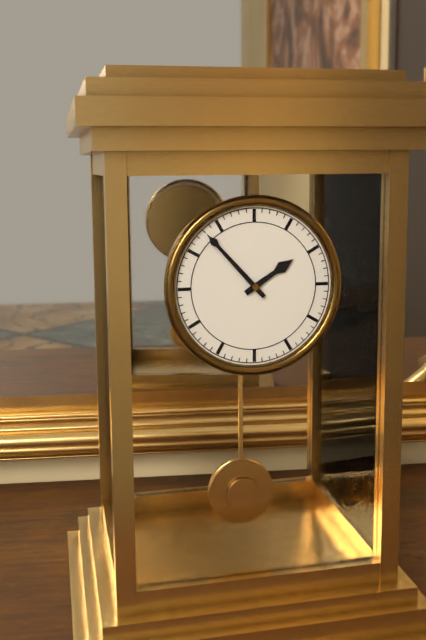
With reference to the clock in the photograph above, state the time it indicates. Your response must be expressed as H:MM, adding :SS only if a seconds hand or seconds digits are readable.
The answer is 1:53
